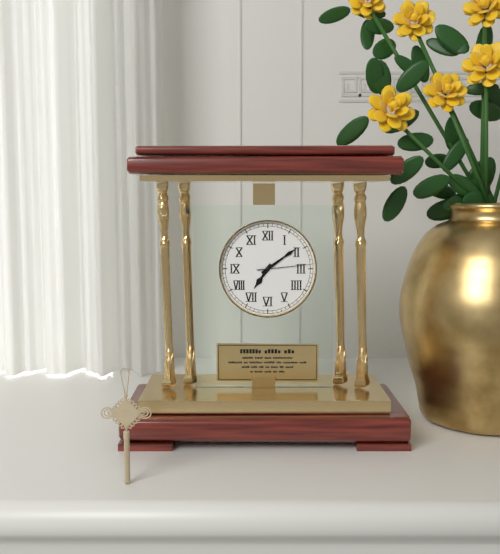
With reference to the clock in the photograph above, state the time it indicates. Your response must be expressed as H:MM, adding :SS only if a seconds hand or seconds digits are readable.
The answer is 7:09:14
